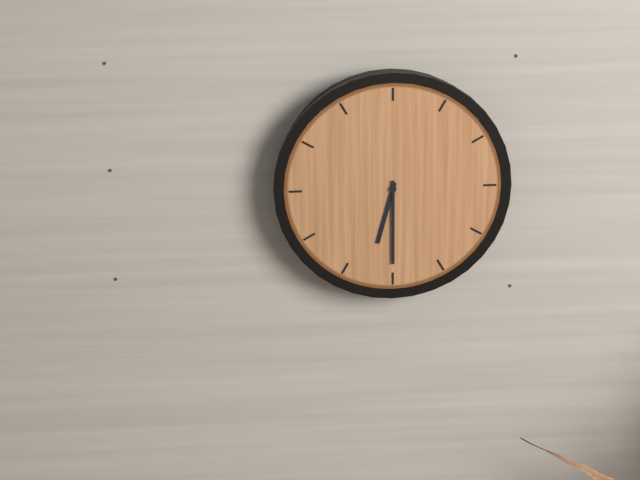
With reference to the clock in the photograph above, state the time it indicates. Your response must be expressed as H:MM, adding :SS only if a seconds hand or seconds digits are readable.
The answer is 6:30
